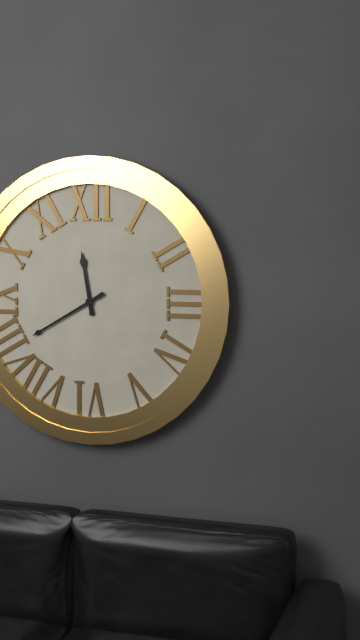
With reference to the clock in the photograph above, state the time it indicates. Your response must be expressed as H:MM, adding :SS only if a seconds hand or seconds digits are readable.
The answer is 11:40
